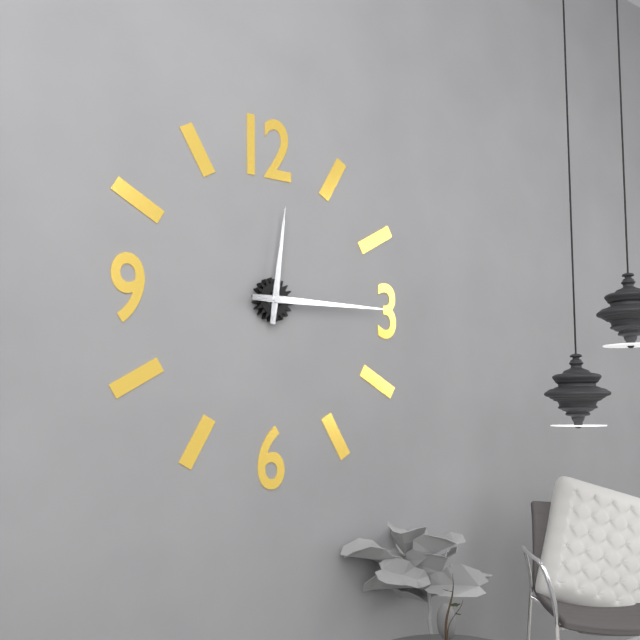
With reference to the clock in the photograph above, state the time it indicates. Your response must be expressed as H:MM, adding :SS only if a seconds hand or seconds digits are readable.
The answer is 12:15
